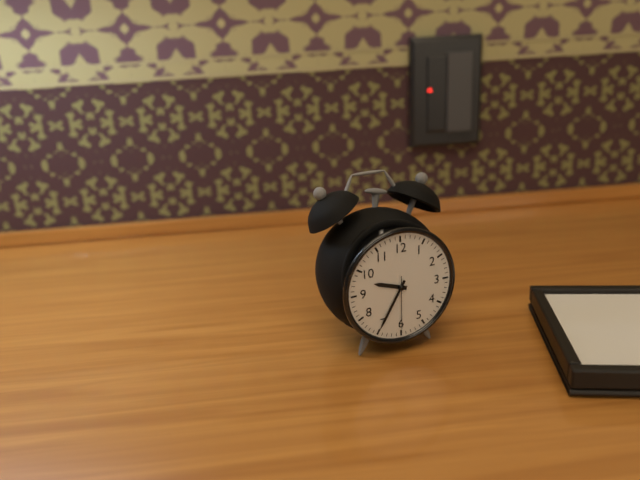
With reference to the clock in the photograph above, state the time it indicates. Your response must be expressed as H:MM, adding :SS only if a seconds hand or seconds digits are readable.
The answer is 9:35:30
